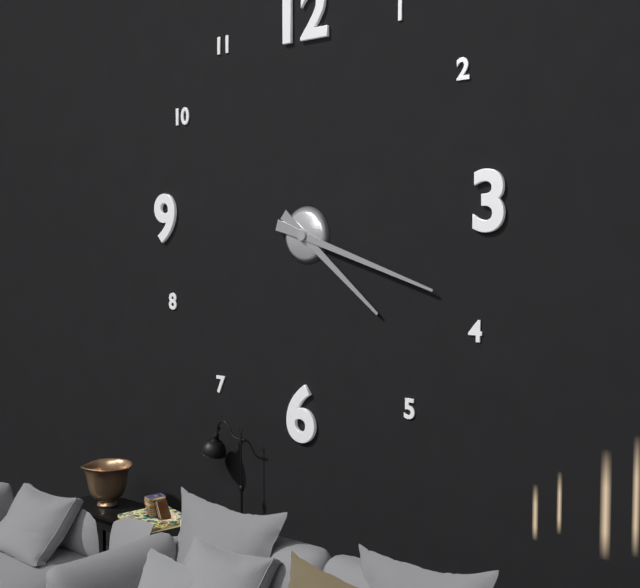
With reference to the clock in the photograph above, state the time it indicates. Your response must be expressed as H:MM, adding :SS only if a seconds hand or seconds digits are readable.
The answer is 4:18
